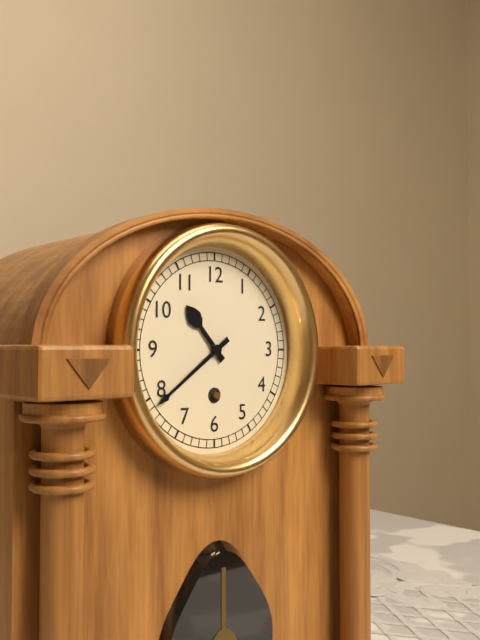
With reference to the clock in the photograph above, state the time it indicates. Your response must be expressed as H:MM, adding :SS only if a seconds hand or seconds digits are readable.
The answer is 10:39
